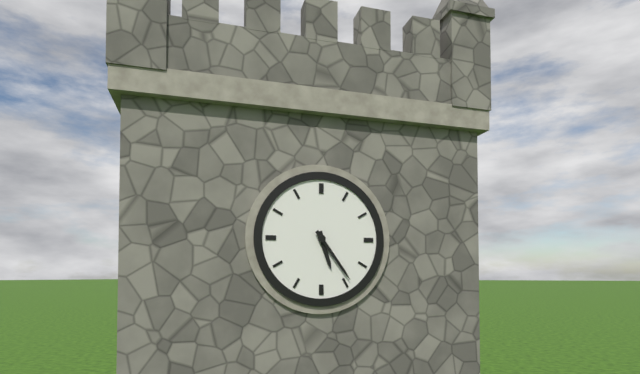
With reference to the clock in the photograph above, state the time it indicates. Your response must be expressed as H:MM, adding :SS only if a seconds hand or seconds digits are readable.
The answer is 5:24
